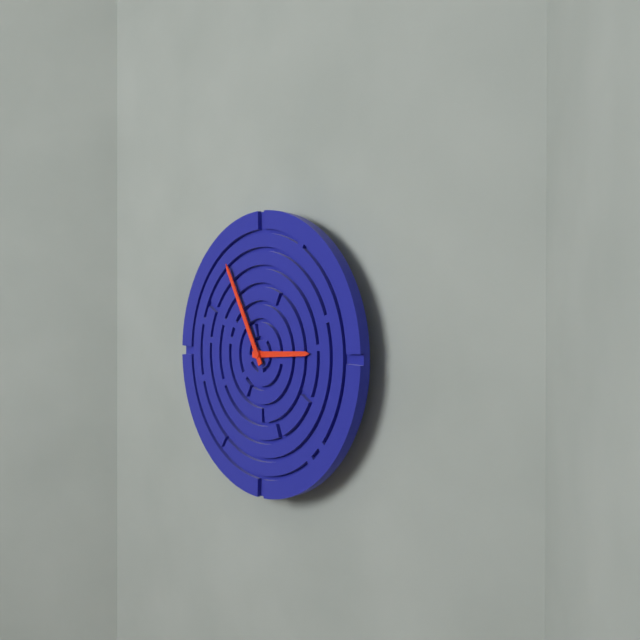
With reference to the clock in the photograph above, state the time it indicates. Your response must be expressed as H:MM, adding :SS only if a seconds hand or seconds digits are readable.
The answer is 2:55
